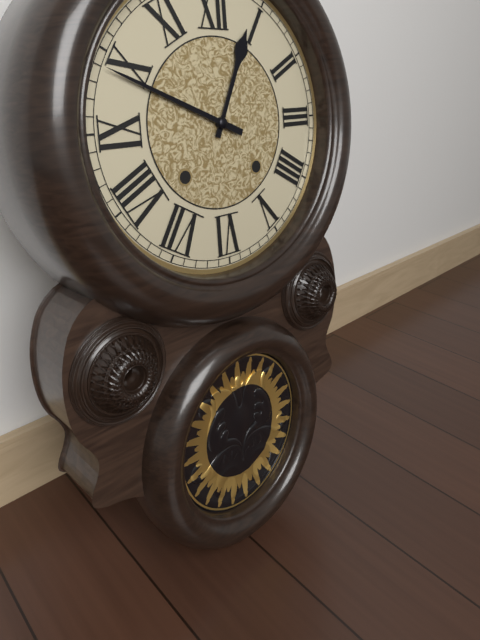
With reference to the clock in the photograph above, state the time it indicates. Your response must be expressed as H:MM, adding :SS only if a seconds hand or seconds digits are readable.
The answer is 12:49
